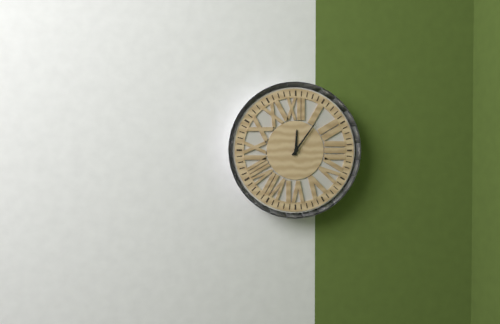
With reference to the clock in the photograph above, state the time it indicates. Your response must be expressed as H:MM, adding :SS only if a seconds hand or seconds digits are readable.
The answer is 12:06
